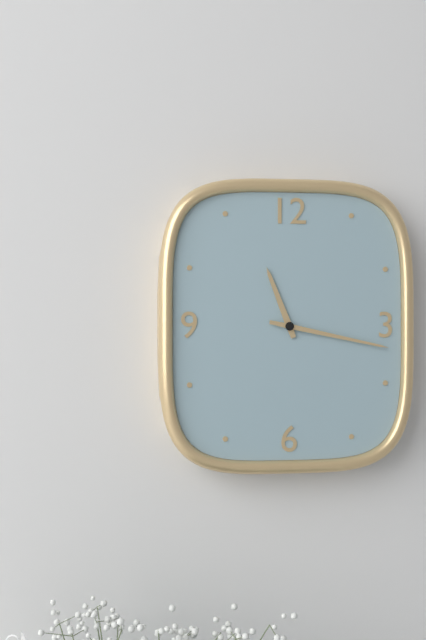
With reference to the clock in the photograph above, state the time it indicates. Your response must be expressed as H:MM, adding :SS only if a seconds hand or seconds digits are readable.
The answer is 11:17
